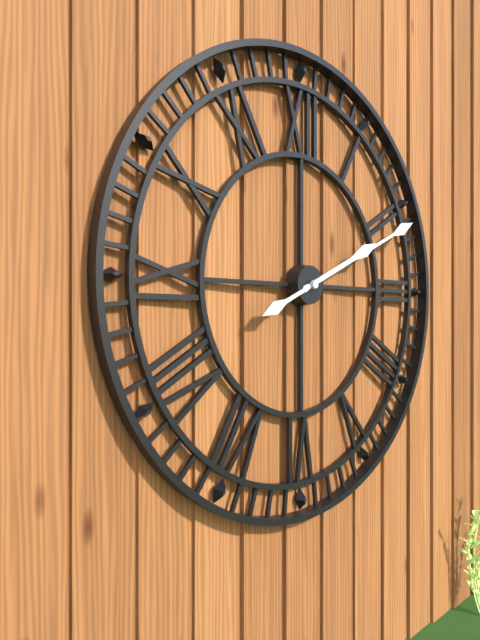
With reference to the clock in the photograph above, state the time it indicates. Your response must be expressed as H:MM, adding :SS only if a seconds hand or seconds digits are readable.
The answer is 2:11
